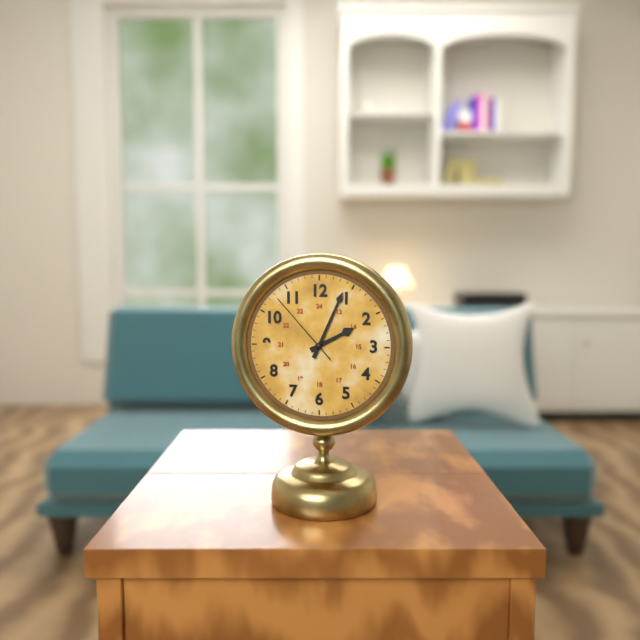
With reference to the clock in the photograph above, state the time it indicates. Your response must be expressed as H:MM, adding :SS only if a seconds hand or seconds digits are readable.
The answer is 2:04:53
